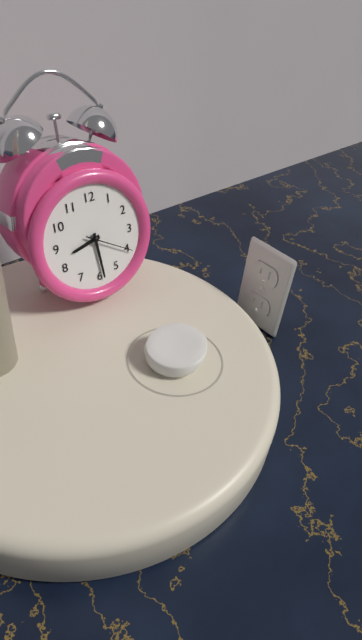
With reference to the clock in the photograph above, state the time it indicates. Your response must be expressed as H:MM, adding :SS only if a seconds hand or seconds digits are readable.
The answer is 8:29
